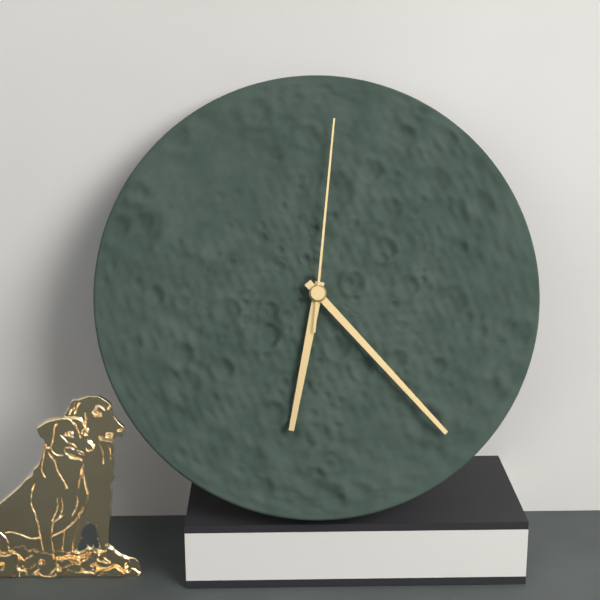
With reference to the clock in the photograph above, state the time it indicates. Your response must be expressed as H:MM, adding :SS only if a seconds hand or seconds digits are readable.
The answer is 6:23:01
